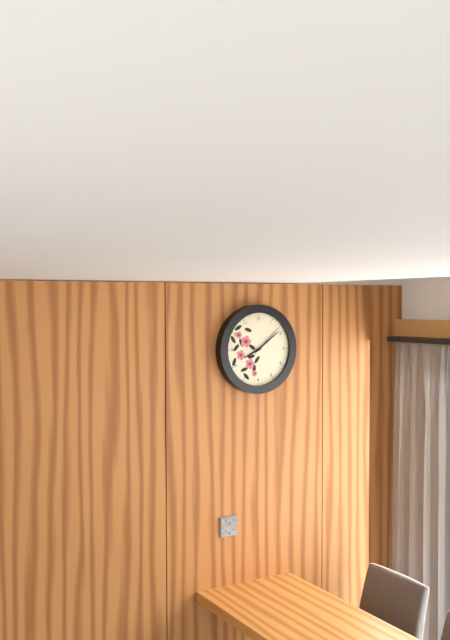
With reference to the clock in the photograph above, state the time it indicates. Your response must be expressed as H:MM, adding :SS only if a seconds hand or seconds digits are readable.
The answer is 8:09
